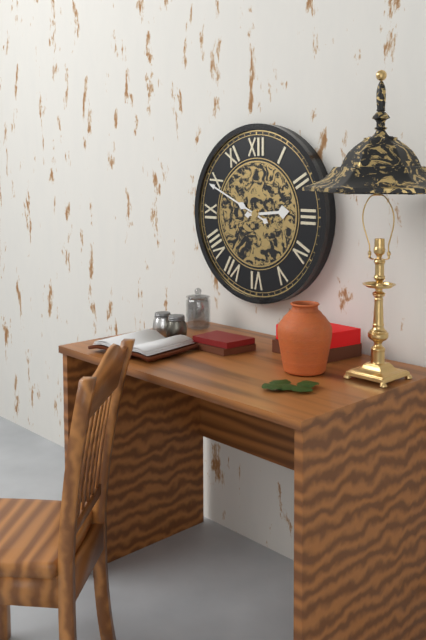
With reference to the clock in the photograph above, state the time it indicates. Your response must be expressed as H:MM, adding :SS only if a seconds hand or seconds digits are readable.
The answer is 2:49
